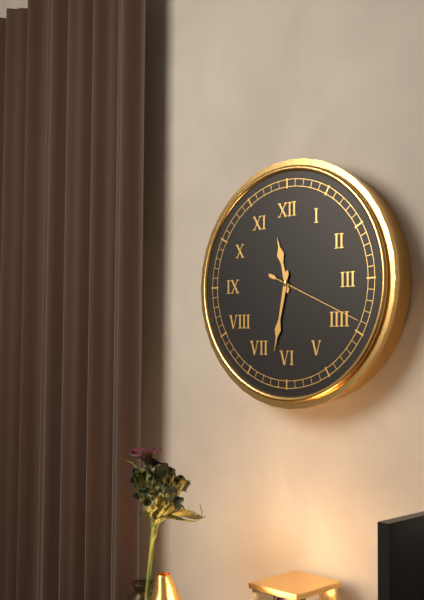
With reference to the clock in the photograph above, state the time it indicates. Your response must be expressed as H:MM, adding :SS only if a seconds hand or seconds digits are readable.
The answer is 11:32:19
